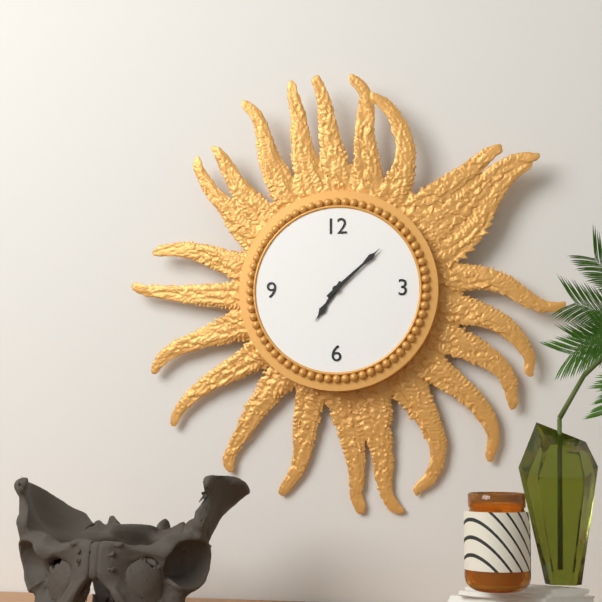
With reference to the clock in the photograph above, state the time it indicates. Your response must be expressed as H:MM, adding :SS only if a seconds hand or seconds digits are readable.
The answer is 7:08
